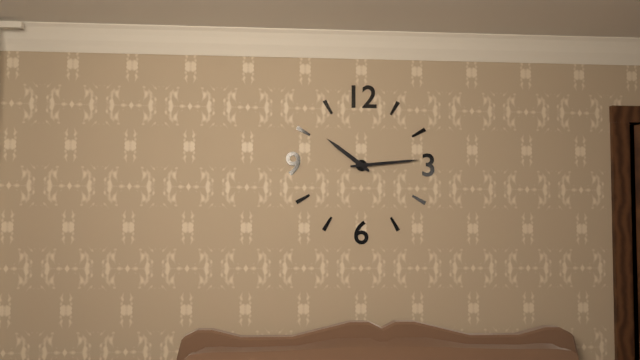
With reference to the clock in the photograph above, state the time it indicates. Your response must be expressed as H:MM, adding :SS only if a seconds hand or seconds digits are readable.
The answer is 10:14
